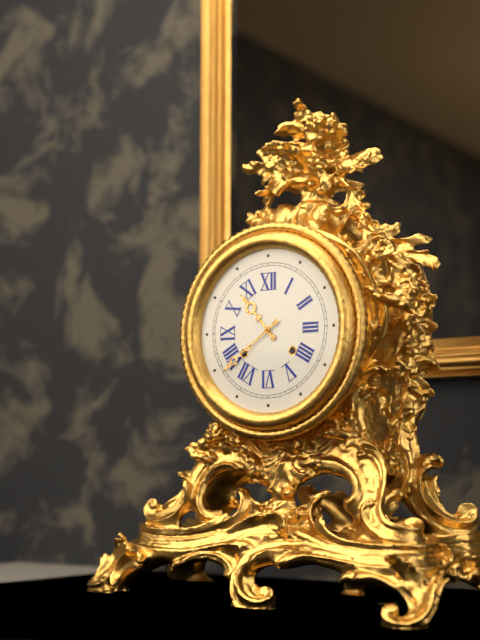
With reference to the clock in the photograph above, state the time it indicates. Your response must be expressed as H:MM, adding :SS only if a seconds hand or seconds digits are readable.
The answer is 10:39
